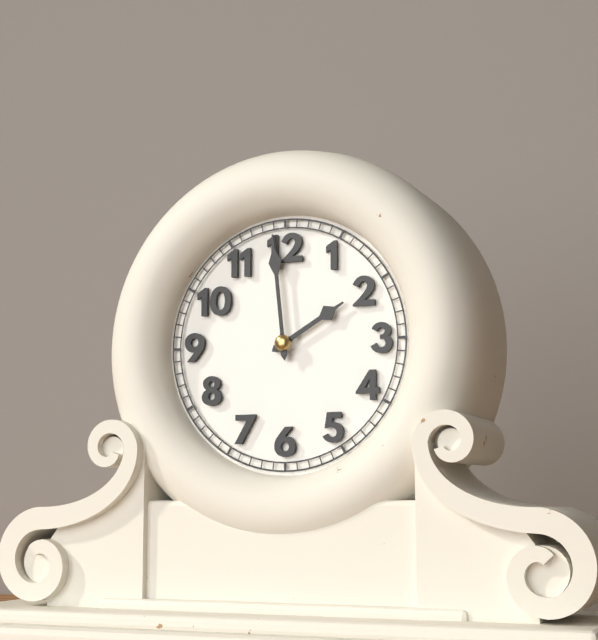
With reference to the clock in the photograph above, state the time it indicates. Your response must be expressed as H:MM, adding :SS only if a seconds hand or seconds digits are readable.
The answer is 1:59
